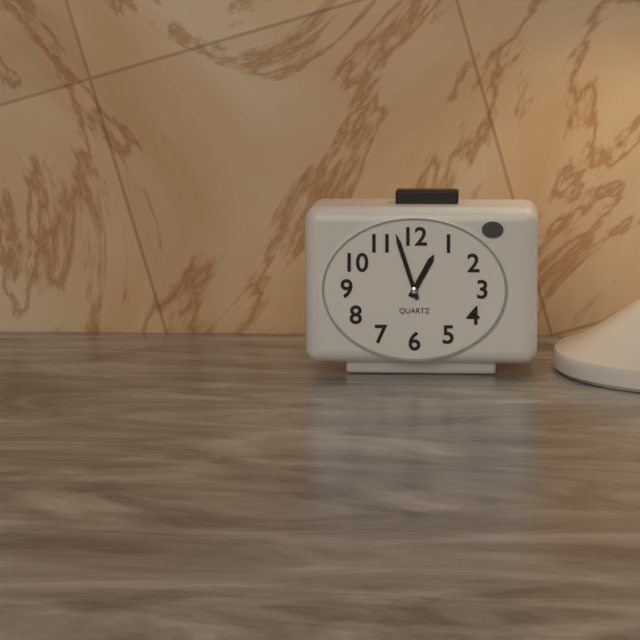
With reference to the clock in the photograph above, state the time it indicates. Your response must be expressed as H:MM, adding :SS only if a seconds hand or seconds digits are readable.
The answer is 12:57
